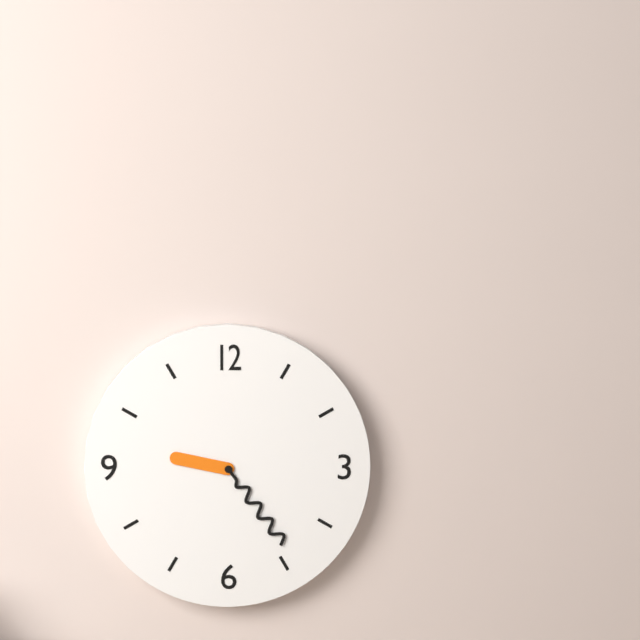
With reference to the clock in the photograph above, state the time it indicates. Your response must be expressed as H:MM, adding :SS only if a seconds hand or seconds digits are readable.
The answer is 9:24
